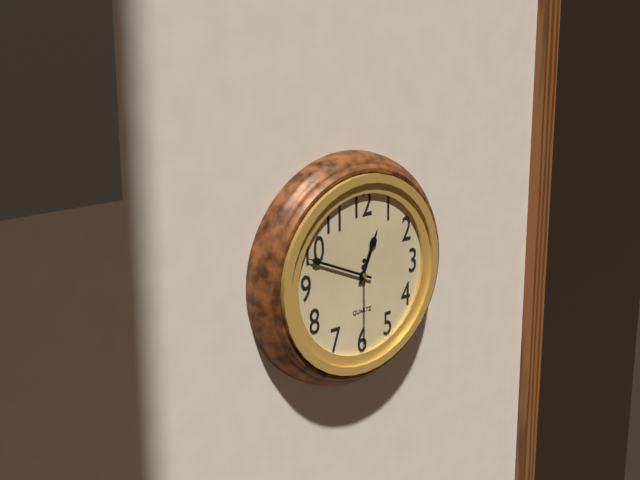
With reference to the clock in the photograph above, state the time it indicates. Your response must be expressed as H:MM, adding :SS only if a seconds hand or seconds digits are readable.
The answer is 12:49:30
